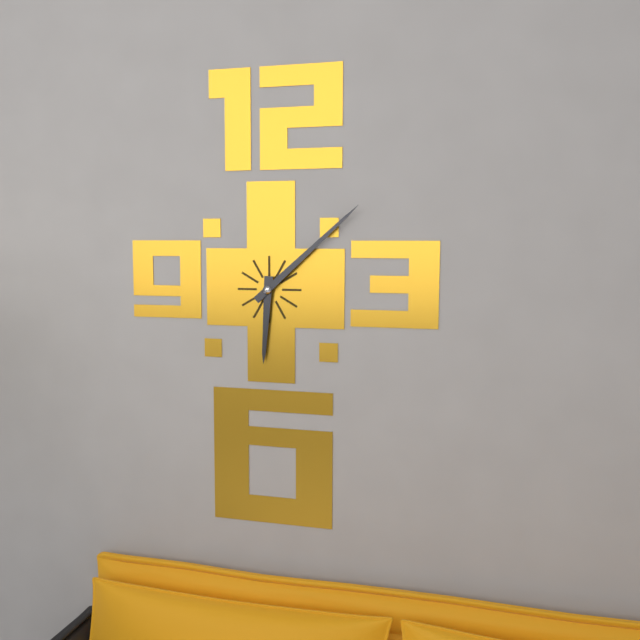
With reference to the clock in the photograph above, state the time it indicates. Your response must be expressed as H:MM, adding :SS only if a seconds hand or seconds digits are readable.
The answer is 6:08
